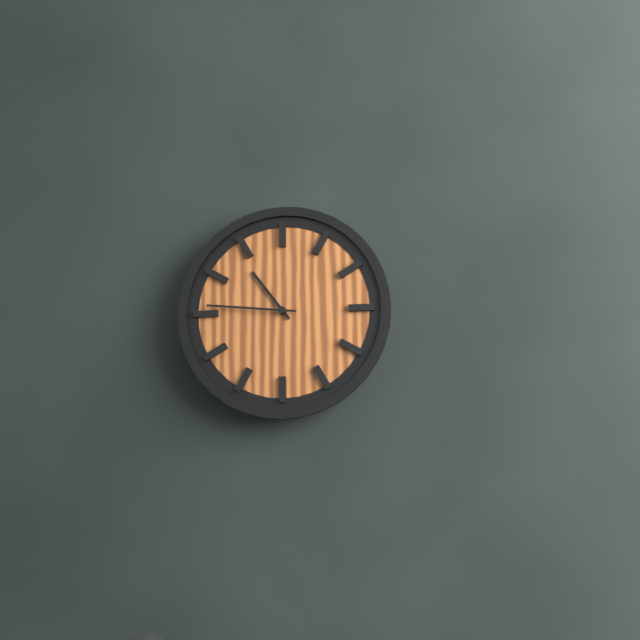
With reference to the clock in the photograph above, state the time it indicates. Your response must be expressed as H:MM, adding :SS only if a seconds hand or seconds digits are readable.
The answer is 10:46
